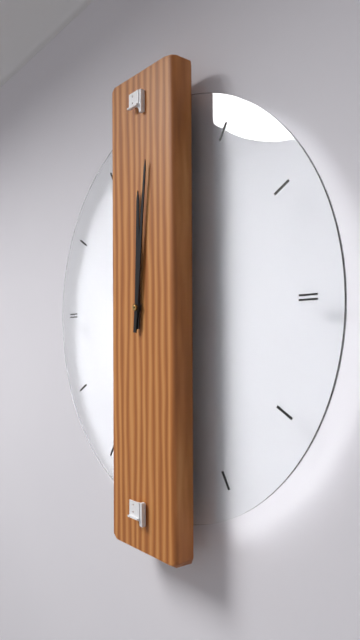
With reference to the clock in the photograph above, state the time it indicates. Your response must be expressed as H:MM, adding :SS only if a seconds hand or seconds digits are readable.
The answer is 12:01
